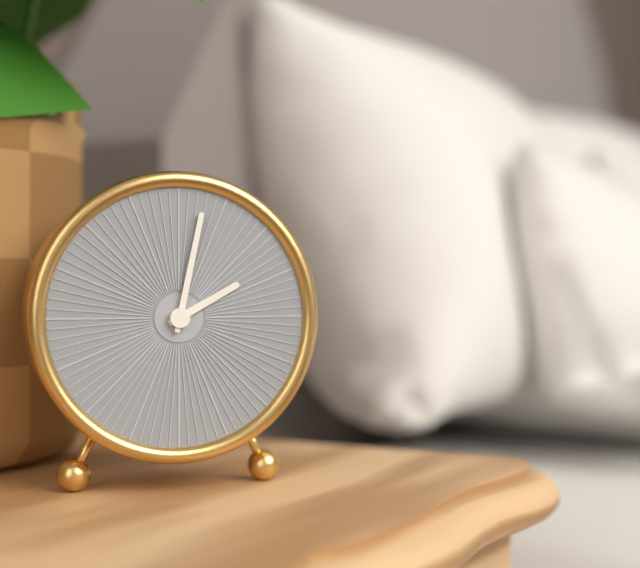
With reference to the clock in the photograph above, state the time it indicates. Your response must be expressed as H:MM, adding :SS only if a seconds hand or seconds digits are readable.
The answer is 2:02
